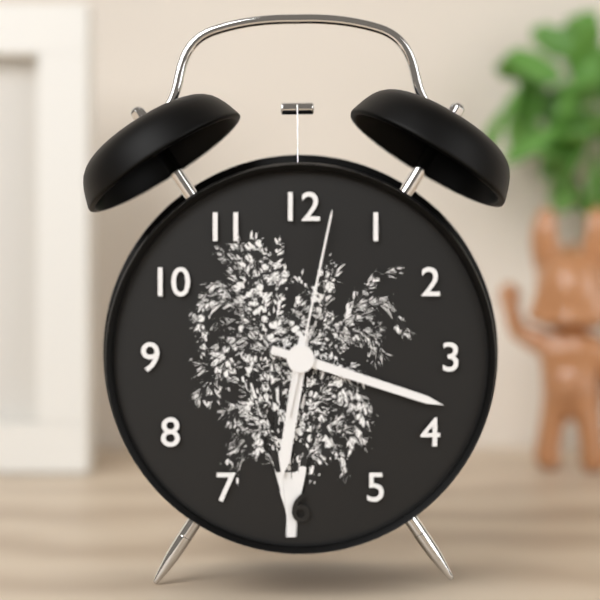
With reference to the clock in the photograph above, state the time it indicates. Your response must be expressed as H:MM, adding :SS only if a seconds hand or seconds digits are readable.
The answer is 6:18:02
